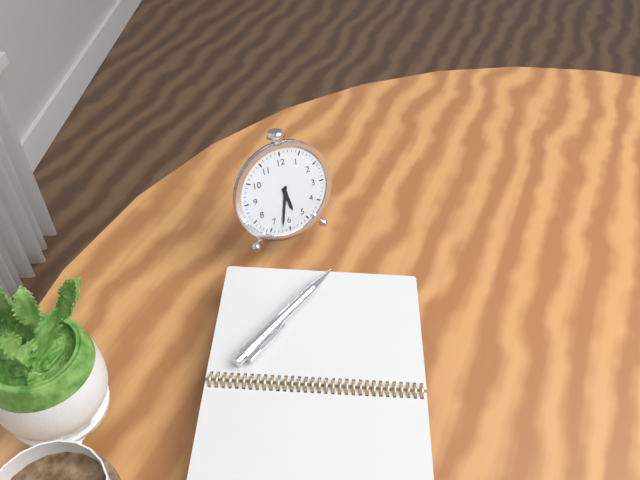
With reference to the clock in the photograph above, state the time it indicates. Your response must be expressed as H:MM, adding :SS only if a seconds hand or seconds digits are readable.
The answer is 5:32
